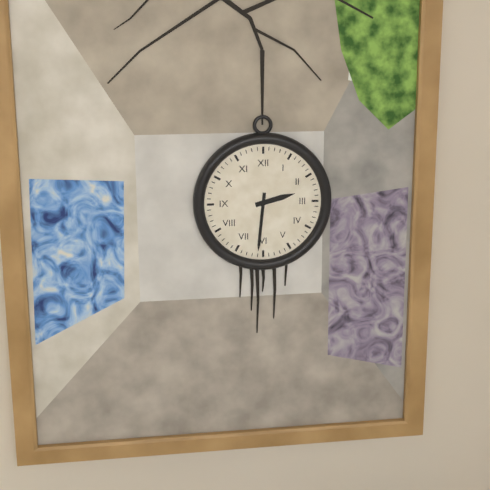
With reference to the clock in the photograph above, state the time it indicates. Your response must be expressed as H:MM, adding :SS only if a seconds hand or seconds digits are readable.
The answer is 2:31
